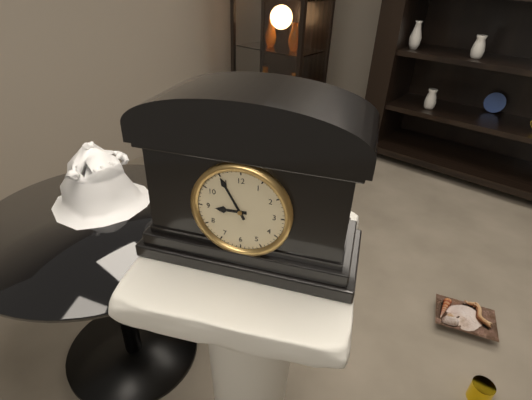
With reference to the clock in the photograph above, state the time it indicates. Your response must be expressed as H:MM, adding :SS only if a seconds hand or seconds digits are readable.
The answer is 8:55
